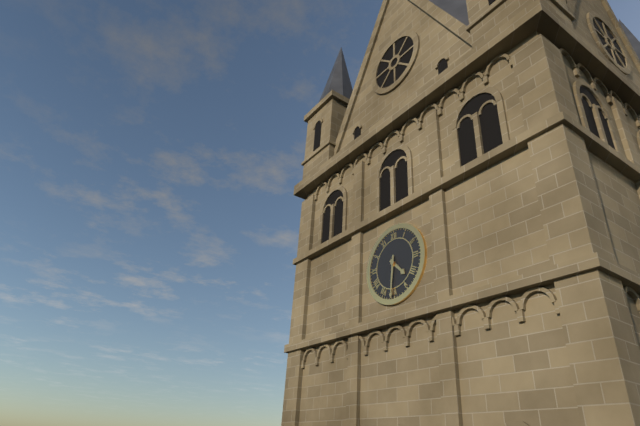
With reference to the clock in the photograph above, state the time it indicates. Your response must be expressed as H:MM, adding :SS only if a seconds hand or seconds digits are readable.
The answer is 4:31
